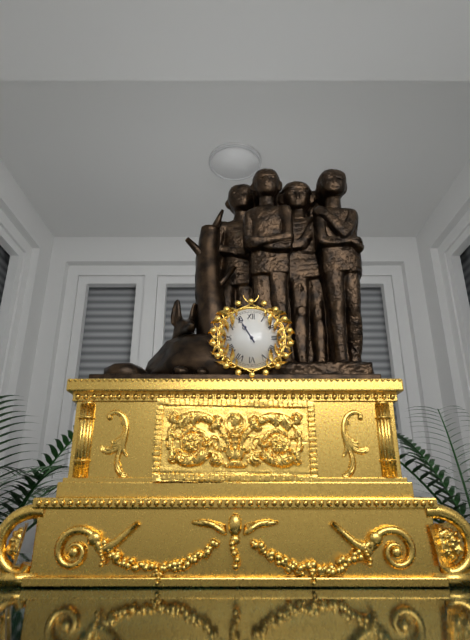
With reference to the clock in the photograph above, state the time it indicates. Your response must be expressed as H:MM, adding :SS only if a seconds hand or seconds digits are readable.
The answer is 10:55
